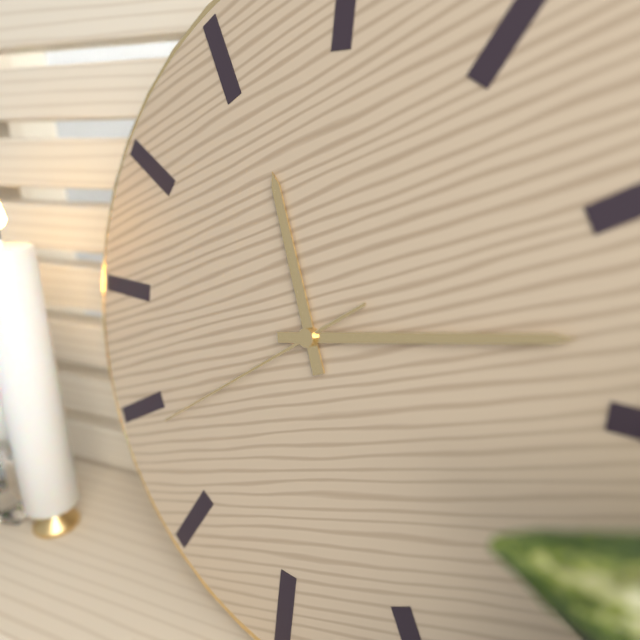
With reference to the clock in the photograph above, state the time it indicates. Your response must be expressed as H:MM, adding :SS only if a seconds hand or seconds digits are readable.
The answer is 11:13:39
